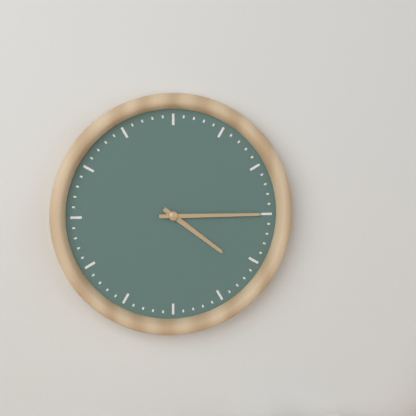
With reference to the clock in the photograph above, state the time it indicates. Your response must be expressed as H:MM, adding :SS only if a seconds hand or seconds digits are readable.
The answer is 4:15
